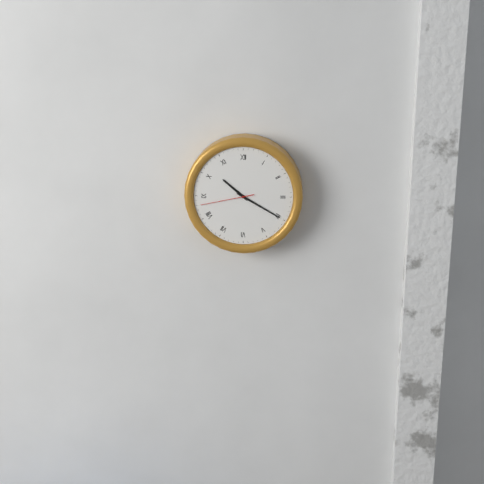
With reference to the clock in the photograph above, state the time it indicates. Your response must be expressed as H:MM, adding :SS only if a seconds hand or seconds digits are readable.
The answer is 10:20:43
